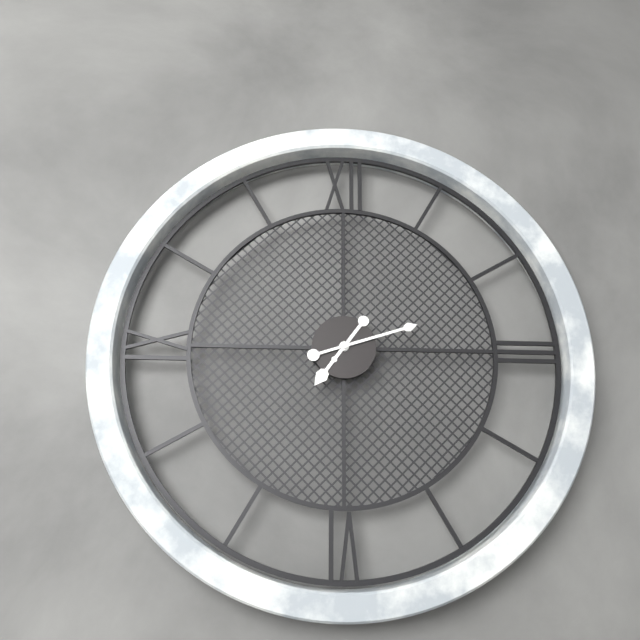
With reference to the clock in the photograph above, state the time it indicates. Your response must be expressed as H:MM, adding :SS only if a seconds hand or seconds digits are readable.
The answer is 7:12
